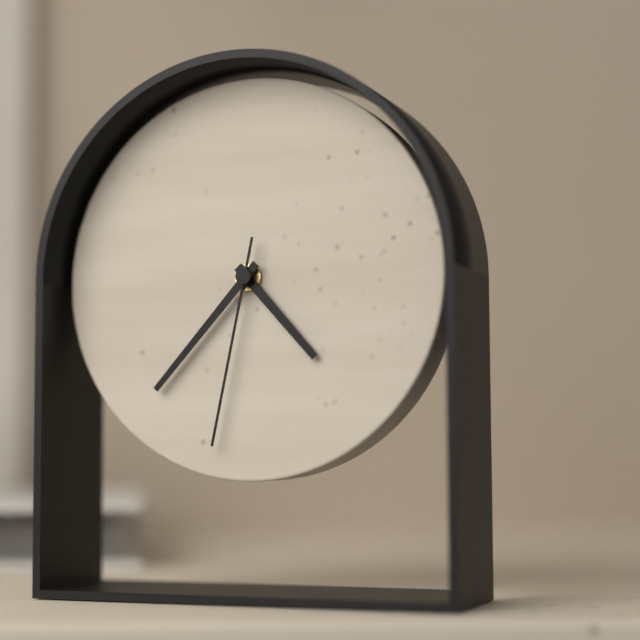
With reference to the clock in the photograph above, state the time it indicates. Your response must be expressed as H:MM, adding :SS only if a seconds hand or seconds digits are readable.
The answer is 4:37:32
